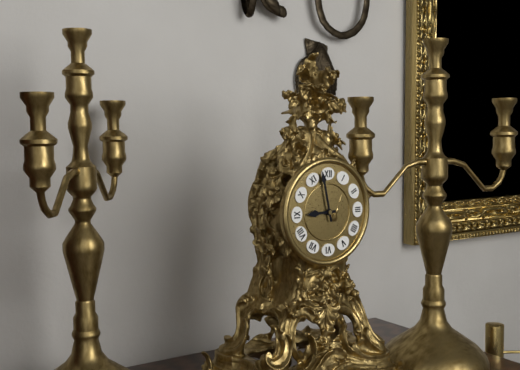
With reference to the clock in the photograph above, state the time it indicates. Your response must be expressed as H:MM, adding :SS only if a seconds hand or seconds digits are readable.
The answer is 8:58
